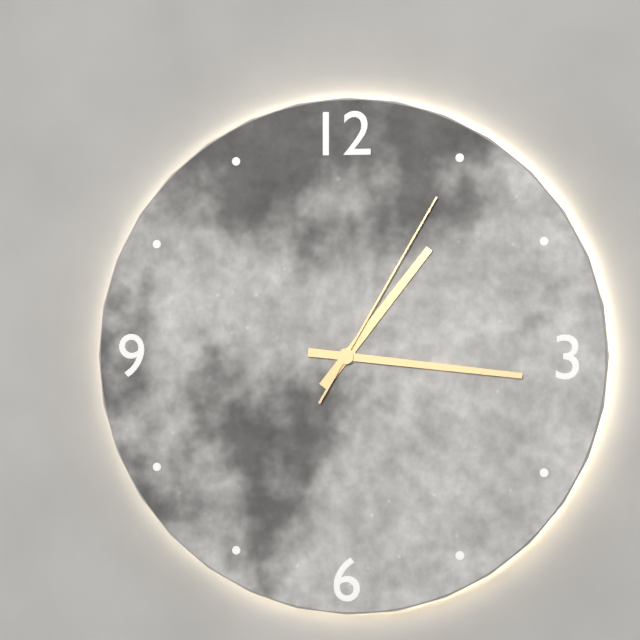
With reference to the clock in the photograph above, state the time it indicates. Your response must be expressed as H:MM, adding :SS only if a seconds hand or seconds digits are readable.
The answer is 1:16:05
